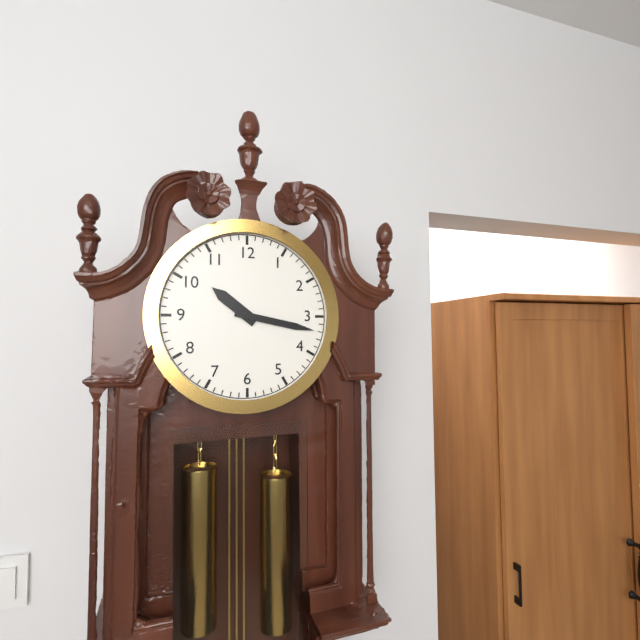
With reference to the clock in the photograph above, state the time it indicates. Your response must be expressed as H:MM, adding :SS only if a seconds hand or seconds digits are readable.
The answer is 10:17
